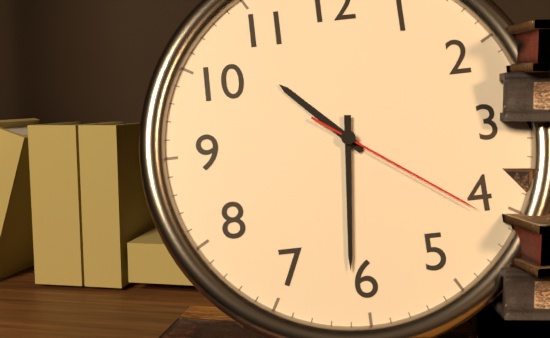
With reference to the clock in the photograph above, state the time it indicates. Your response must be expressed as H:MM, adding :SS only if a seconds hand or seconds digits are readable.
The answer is 10:31:21
